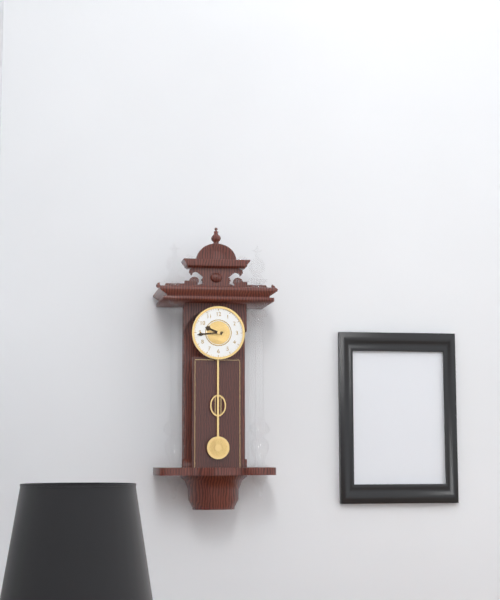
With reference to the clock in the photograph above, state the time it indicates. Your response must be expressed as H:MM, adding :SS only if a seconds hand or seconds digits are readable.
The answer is 9:44
